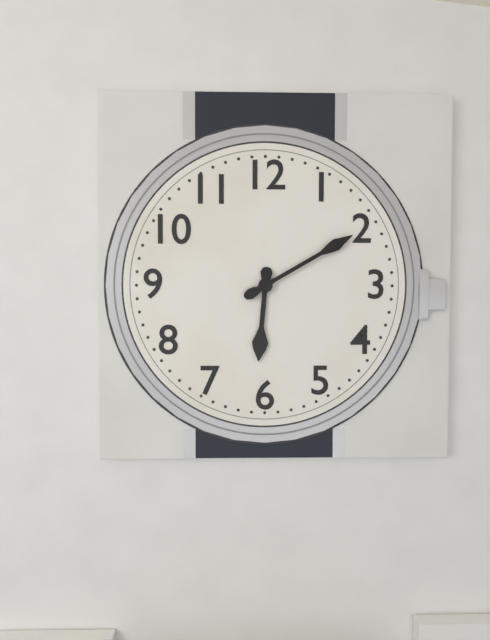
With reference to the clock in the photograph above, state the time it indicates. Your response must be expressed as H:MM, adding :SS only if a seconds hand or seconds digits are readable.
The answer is 6:10
